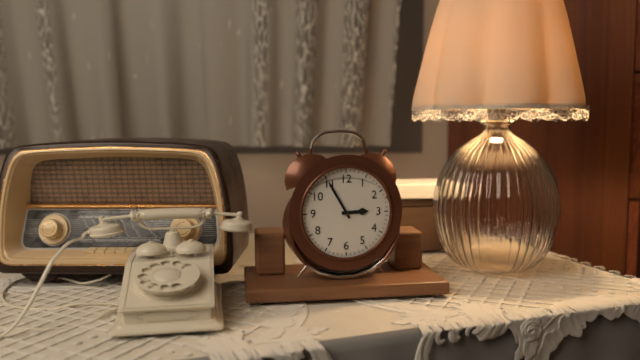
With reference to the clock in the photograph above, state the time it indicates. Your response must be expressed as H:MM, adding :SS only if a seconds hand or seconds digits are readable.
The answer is 2:55
